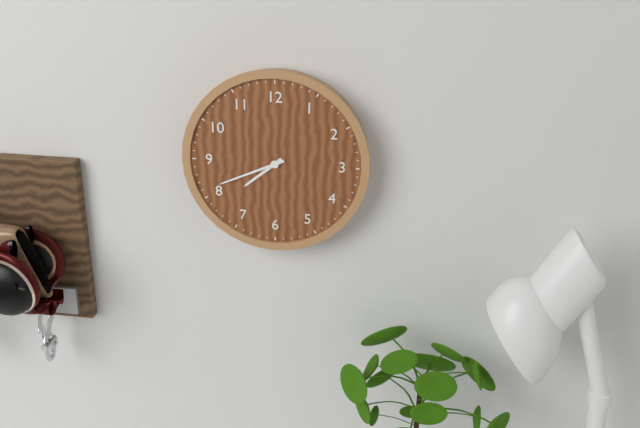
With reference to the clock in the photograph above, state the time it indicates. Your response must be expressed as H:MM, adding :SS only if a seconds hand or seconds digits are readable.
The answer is 7:41
